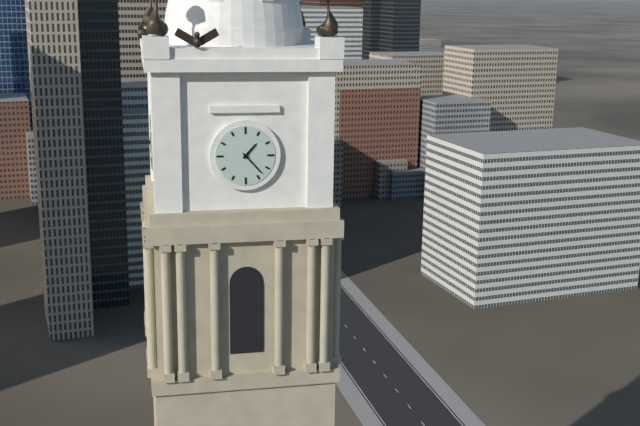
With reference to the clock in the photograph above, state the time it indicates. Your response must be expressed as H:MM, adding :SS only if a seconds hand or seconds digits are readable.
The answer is 1:23
